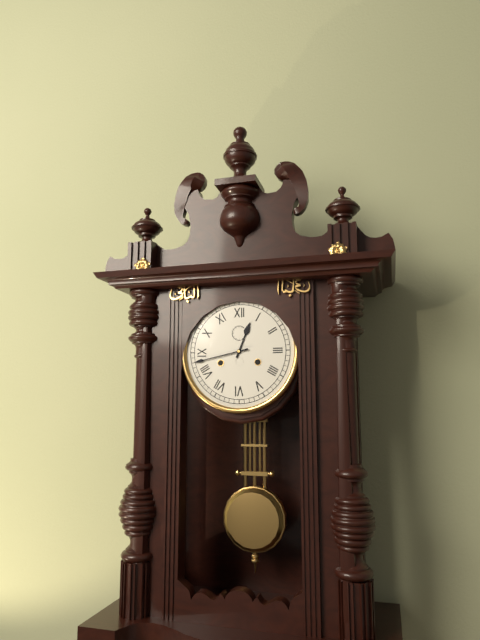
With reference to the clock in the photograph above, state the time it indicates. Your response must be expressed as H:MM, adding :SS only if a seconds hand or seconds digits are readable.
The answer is 12:43
